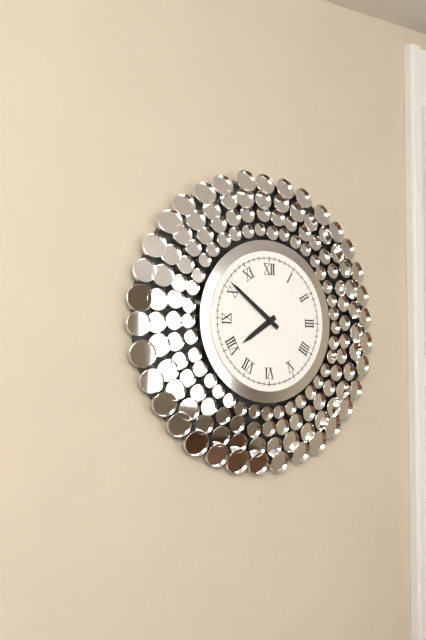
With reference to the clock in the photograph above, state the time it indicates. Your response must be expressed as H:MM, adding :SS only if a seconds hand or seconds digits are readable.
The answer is 7:51
